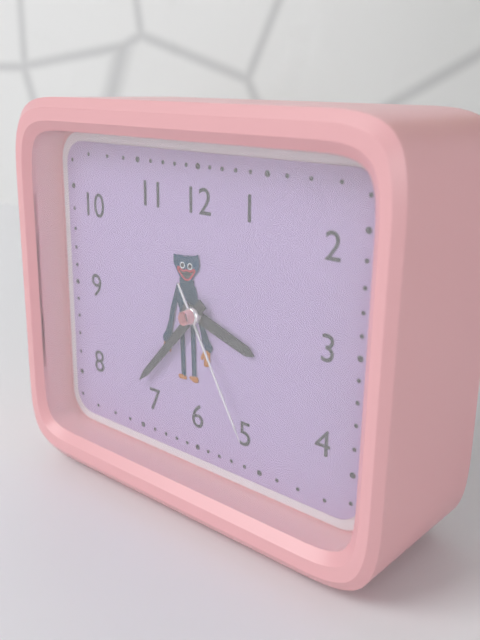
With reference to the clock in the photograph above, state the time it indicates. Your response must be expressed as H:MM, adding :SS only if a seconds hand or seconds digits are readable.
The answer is 3:37:25
